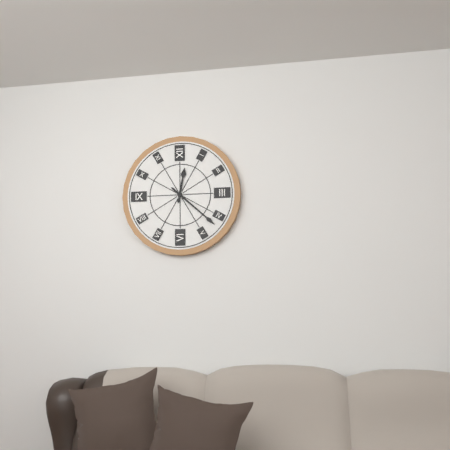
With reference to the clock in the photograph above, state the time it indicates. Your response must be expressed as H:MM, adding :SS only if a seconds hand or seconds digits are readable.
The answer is 12:22
